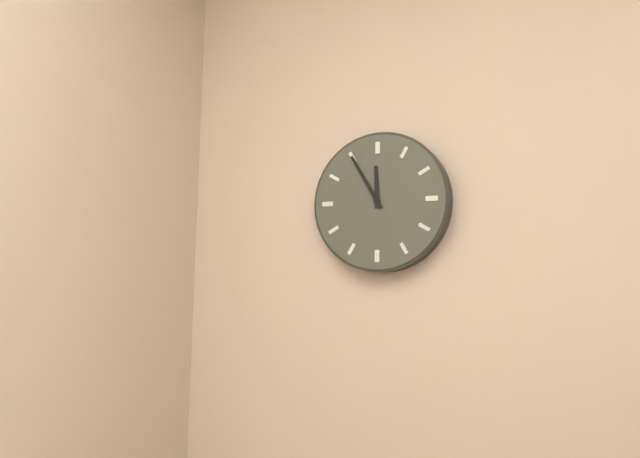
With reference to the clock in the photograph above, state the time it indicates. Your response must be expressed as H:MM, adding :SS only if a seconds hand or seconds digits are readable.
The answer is 11:55
